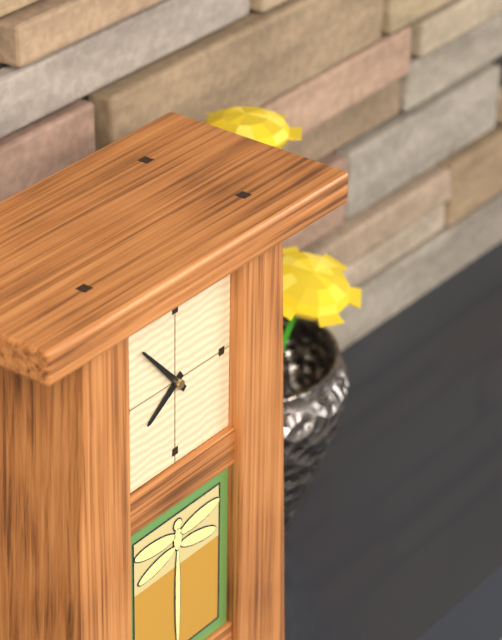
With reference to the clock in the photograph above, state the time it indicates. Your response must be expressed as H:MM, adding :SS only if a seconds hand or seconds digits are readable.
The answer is 7:53
